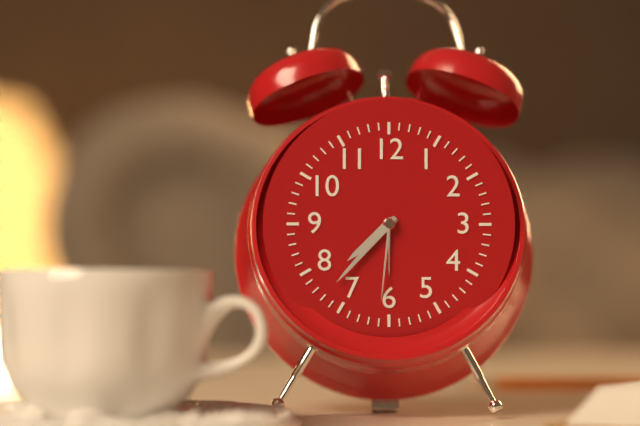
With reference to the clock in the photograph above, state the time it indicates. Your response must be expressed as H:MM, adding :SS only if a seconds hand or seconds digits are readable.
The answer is 7:37:31
